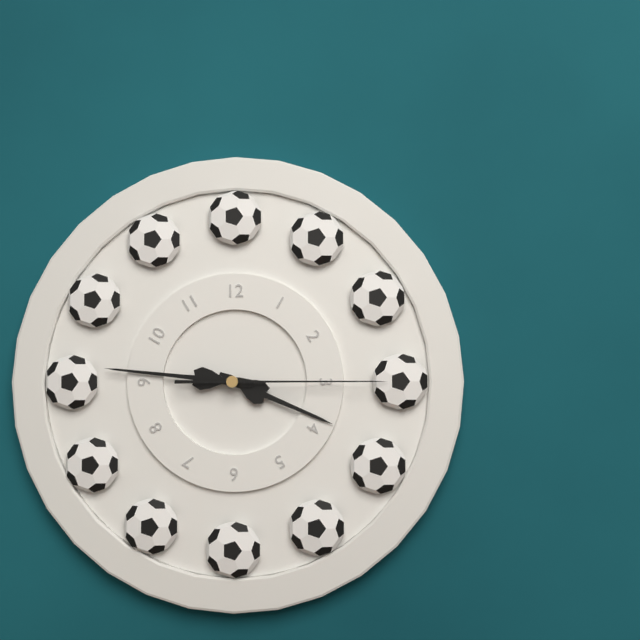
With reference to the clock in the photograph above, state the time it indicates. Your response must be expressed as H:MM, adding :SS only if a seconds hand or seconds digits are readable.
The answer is 3:46:15
